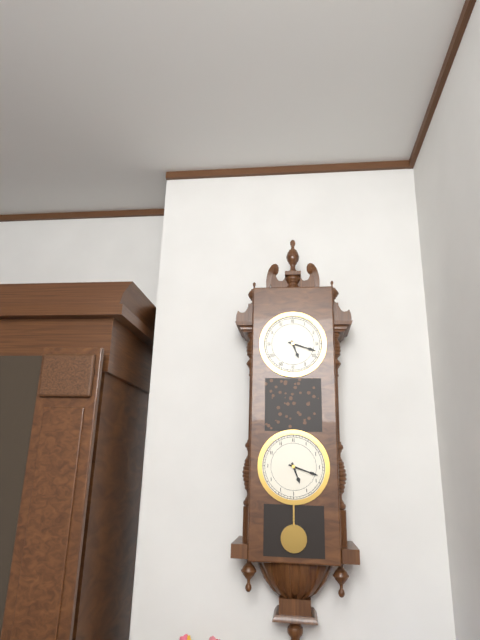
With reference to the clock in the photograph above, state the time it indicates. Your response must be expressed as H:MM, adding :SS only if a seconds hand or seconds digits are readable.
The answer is 5:18
